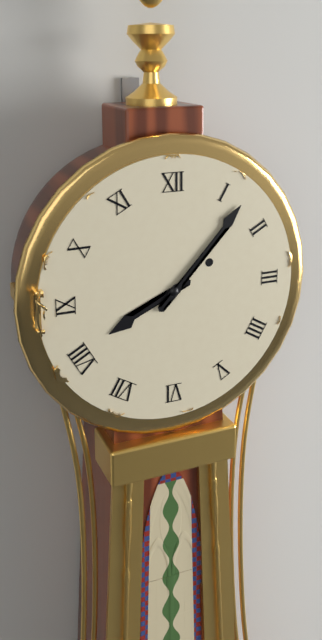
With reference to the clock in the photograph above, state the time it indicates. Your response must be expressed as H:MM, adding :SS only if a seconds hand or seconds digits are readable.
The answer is 8:07
